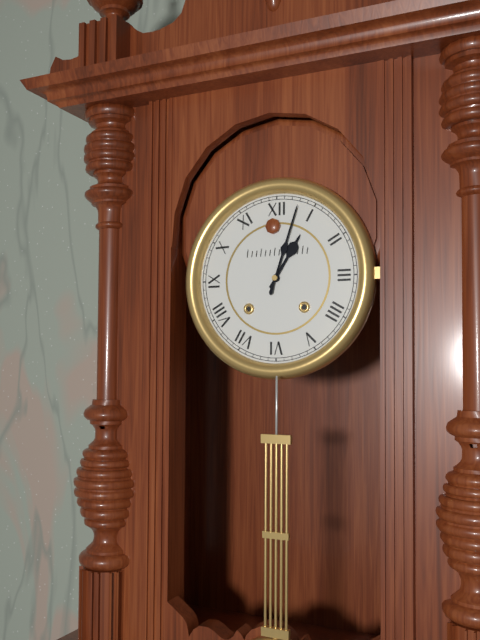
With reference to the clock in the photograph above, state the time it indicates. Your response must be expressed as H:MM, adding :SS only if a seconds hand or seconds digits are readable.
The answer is 1:03
